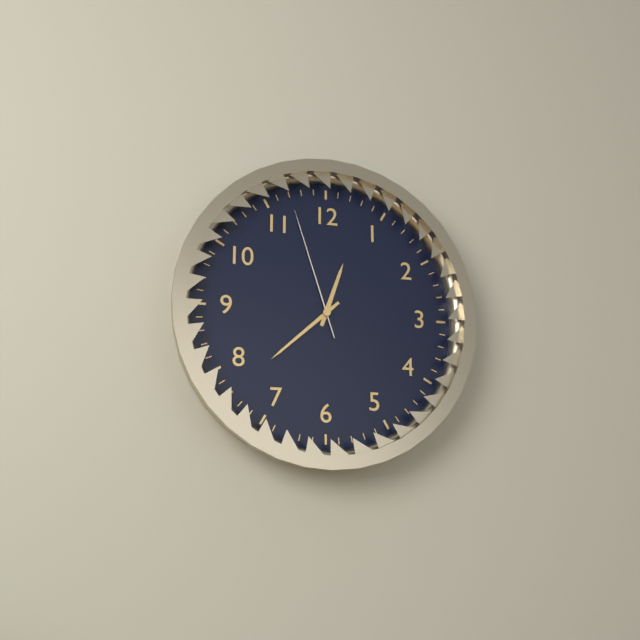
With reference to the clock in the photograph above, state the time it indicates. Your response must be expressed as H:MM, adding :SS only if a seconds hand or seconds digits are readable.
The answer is 12:38:57
